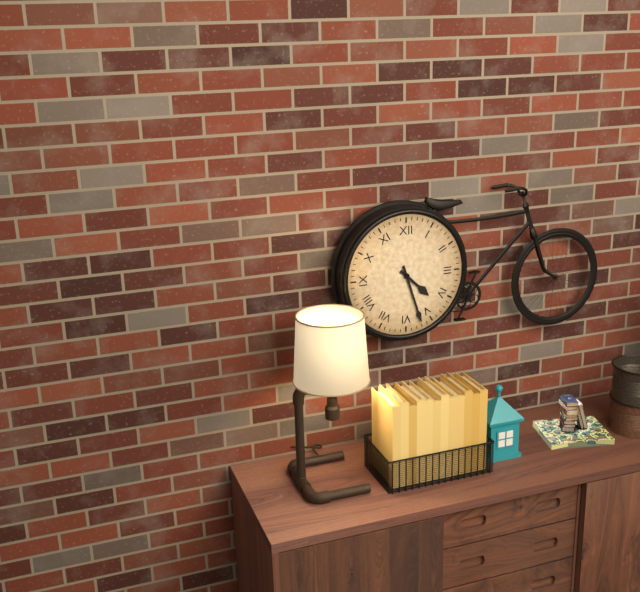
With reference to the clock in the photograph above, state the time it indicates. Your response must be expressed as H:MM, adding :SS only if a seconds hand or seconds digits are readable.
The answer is 4:27
